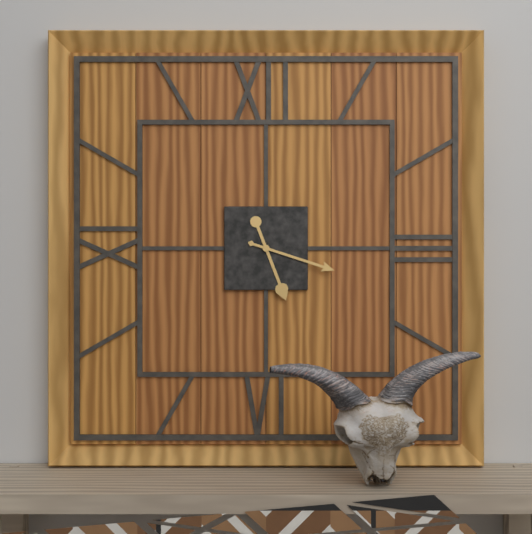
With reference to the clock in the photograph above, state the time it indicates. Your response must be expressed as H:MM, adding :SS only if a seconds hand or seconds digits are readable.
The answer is 5:18
